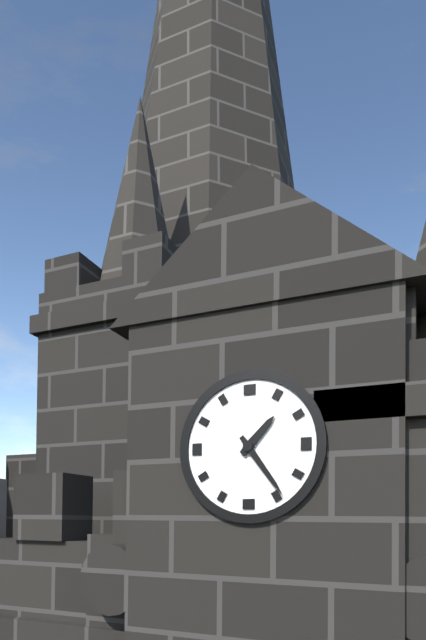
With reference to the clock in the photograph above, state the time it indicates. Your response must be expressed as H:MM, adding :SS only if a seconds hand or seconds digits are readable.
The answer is 1:24
